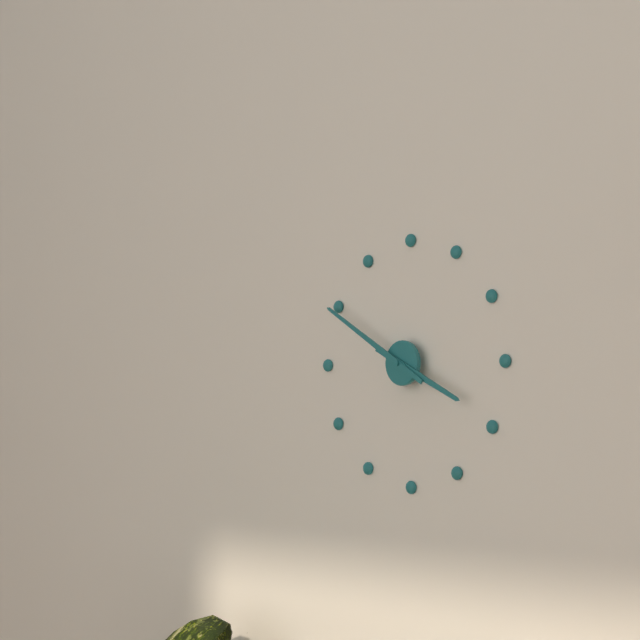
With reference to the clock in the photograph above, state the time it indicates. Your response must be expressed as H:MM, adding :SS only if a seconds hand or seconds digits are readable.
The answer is 3:50
